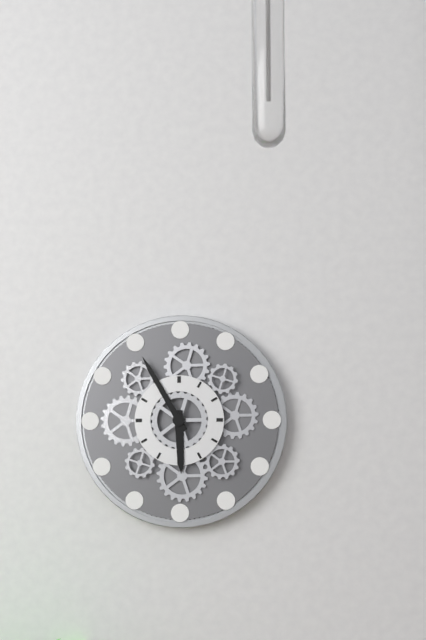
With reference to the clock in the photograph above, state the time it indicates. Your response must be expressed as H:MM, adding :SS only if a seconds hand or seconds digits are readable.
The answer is 5:55
